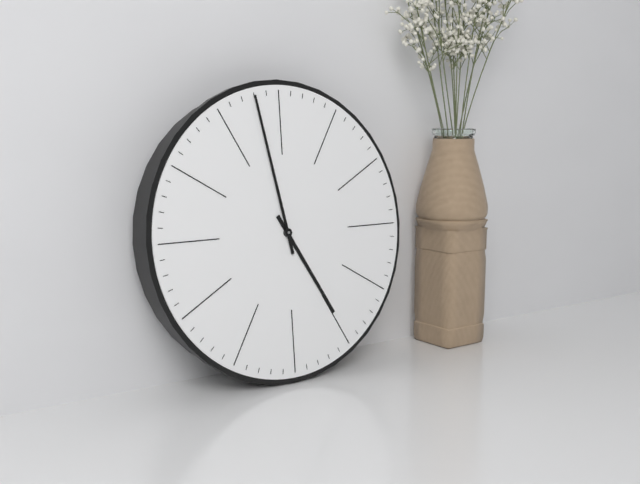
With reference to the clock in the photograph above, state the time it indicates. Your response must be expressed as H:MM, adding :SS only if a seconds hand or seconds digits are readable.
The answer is 4:58
